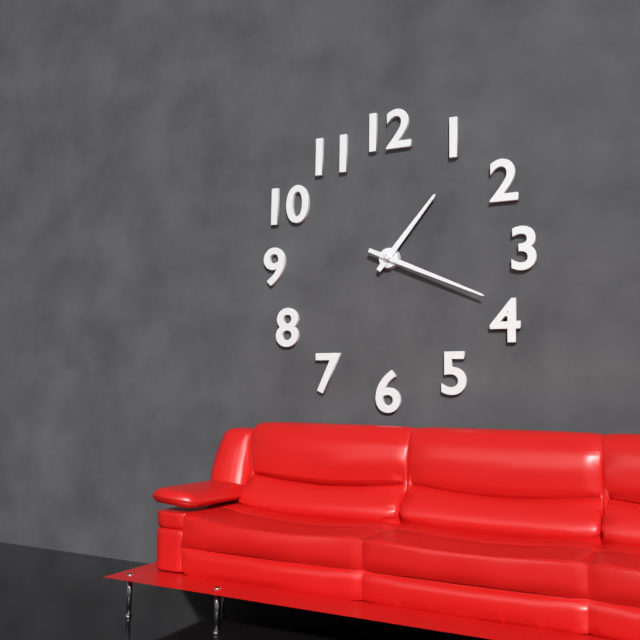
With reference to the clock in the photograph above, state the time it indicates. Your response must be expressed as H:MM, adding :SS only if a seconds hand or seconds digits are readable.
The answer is 1:19
